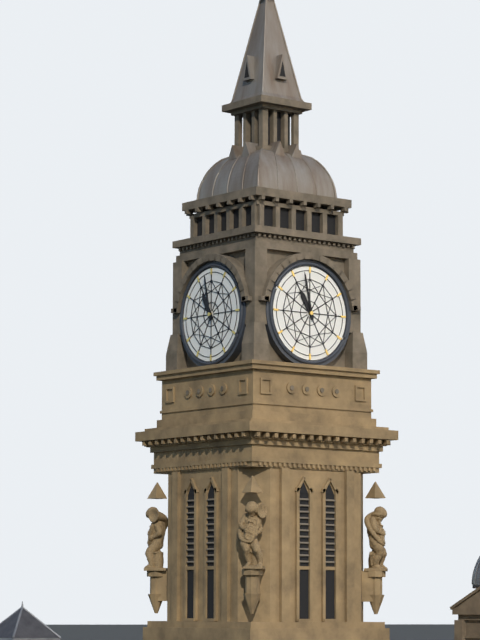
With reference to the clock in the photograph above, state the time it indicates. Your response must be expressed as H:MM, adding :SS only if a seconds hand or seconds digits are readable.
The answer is 10:58
